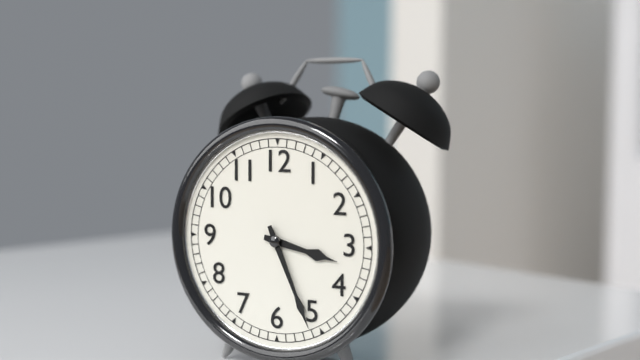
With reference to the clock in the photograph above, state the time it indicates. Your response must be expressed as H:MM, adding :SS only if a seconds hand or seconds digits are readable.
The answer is 3:26
